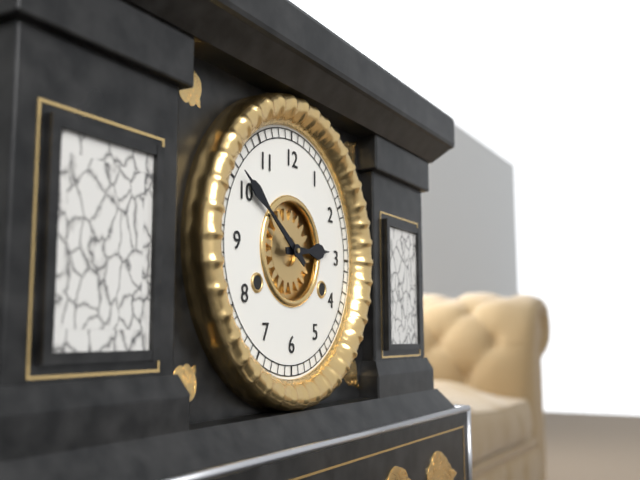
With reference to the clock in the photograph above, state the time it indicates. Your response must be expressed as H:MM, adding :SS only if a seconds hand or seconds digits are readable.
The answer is 2:51
